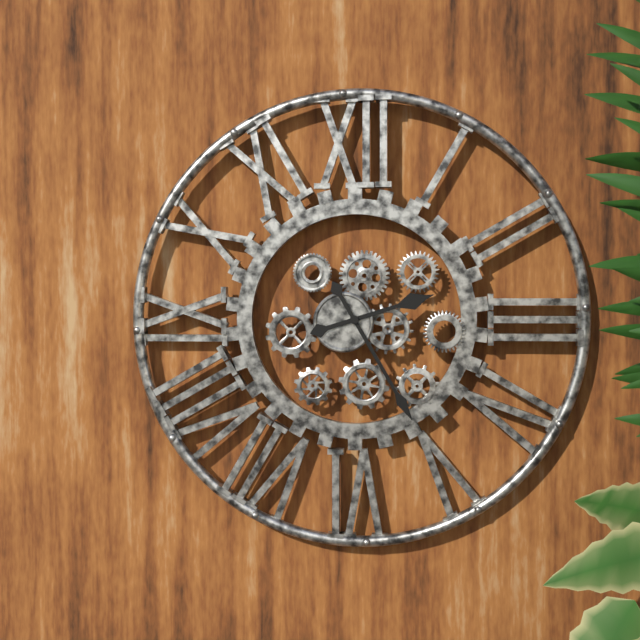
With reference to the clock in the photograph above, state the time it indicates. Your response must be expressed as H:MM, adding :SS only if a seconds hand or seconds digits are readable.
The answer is 2:25
